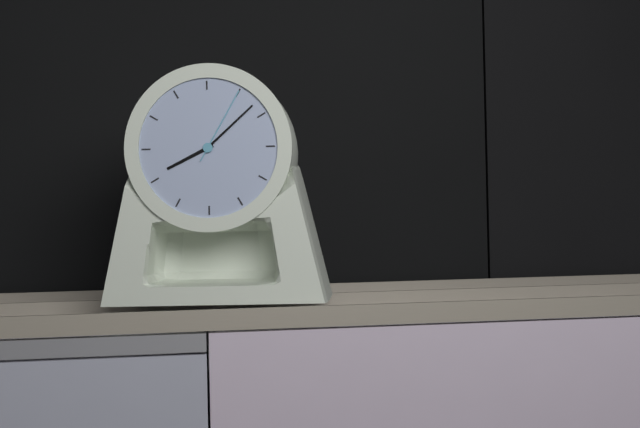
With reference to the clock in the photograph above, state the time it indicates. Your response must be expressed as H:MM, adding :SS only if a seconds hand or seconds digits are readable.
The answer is 8:08:05
